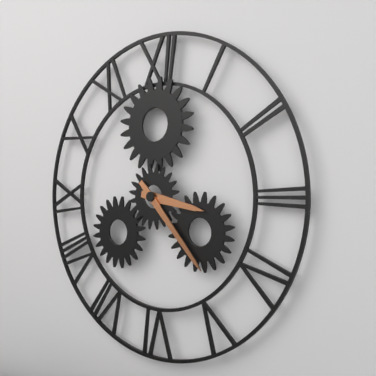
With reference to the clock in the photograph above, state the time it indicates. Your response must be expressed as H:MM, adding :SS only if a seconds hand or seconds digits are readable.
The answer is 3:23
